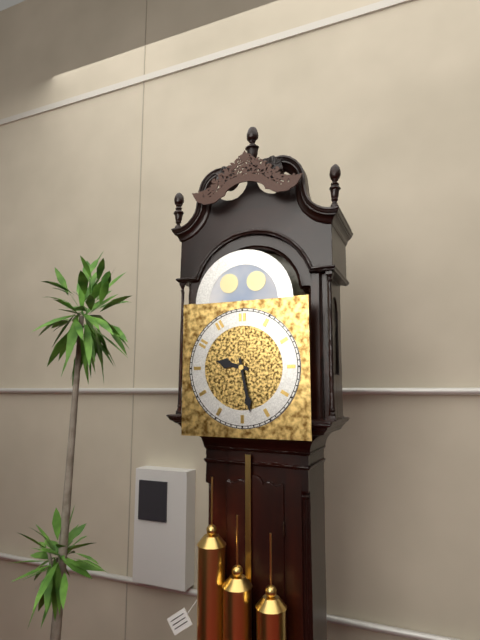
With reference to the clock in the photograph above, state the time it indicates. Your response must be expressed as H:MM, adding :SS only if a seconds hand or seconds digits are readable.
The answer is 9:28
